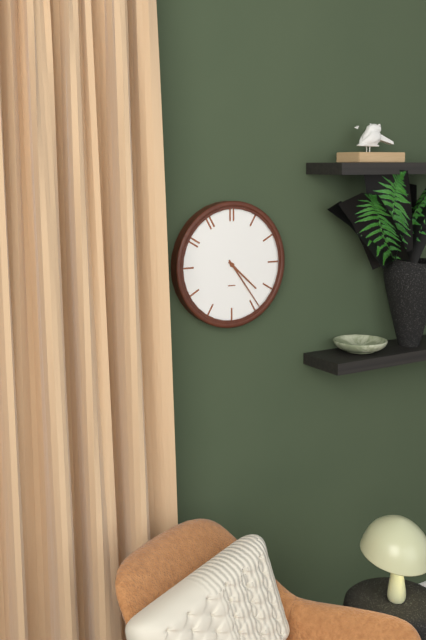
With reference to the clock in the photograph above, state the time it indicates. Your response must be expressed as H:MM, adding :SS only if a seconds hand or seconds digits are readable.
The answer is 4:24
